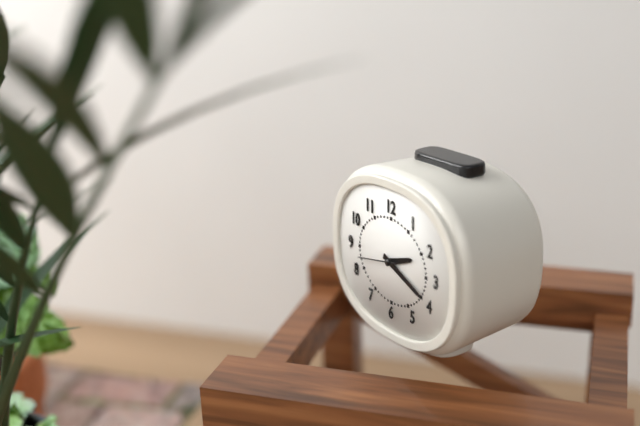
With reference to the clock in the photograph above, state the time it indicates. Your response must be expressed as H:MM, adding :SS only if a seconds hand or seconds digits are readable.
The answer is 2:19
